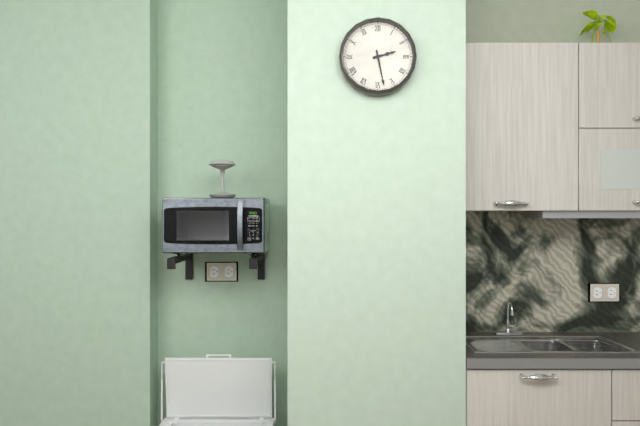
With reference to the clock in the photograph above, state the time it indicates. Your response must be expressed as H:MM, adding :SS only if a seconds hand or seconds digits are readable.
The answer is 2:28
